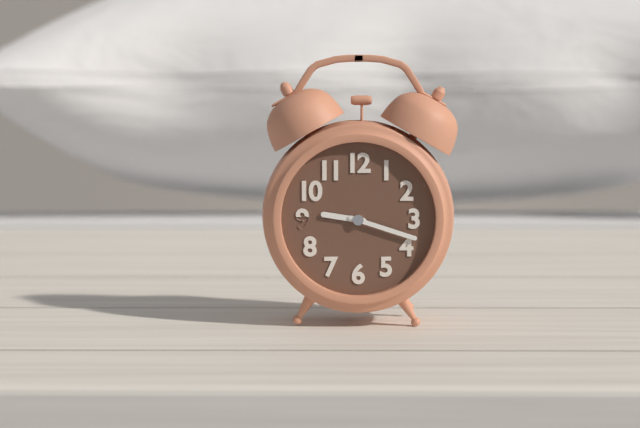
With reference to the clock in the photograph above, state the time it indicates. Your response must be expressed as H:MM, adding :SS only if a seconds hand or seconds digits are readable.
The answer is 9:18
